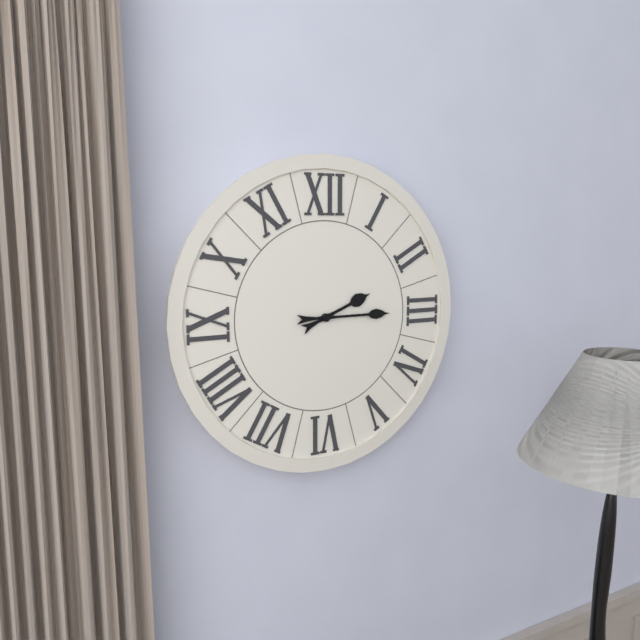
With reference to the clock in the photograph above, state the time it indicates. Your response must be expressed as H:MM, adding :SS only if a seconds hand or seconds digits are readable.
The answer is 2:15
